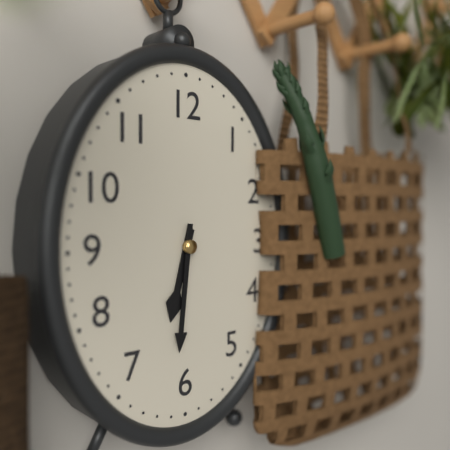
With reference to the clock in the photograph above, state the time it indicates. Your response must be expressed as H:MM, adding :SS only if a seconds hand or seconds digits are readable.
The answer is 6:31
